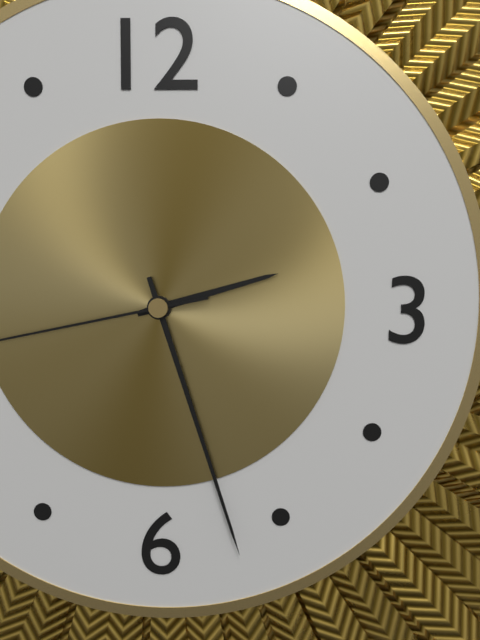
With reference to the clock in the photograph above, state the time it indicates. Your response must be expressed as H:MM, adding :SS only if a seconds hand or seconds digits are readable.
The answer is 2:27
